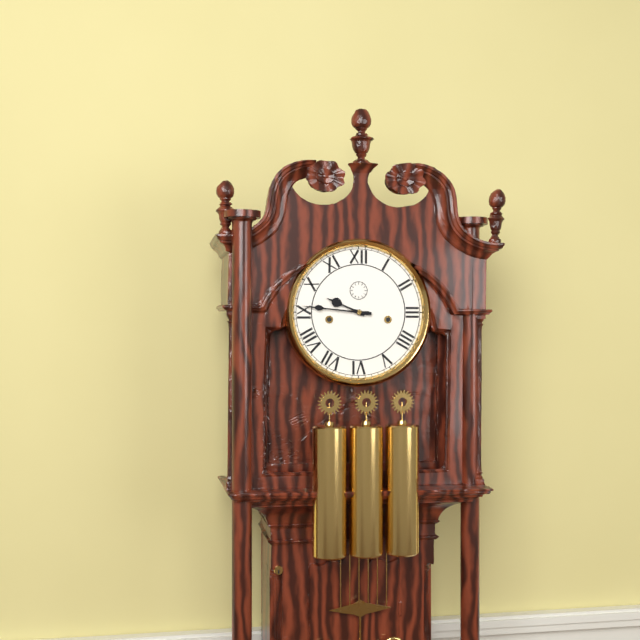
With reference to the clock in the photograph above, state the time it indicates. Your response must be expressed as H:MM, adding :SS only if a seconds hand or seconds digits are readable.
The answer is 9:46
